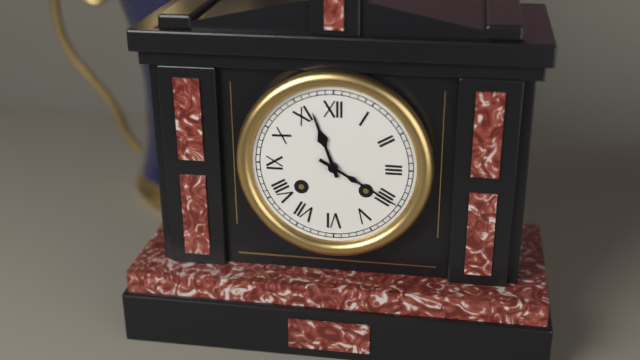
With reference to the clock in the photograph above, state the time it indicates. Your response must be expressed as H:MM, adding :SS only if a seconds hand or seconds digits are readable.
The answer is 11:20
